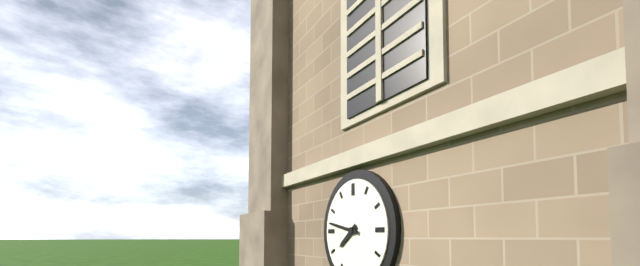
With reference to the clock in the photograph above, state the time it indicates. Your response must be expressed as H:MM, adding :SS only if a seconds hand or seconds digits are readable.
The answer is 7:47
